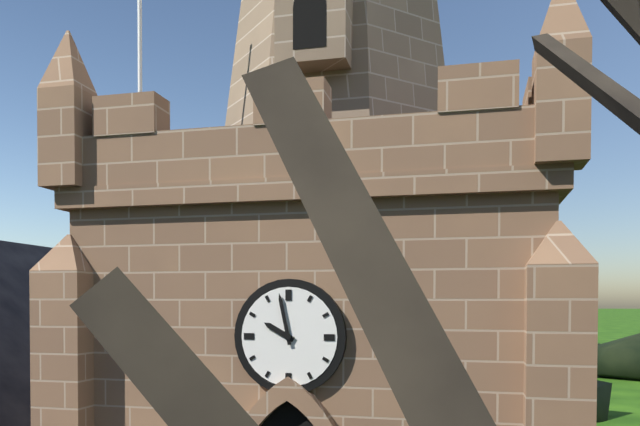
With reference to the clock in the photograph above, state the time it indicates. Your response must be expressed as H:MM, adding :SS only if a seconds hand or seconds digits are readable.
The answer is 9:58
